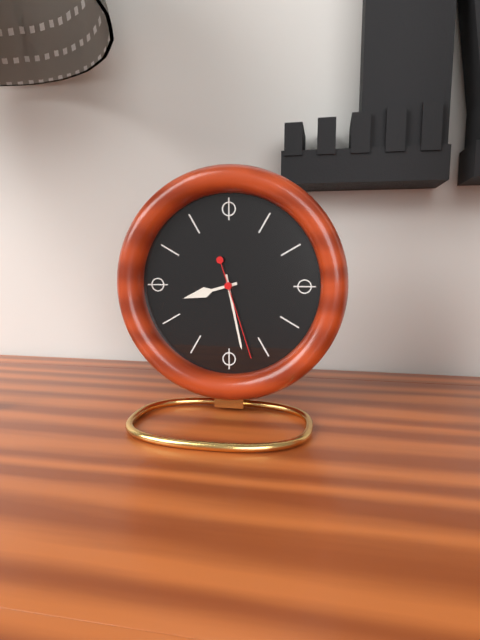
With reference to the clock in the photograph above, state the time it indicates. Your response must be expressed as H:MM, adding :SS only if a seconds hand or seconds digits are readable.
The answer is 8:28:27
